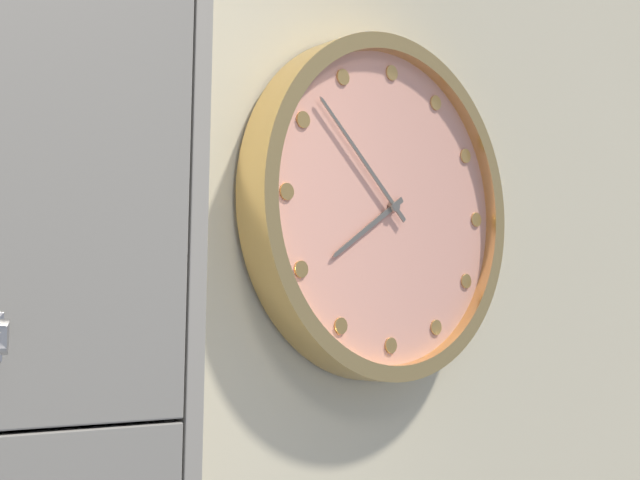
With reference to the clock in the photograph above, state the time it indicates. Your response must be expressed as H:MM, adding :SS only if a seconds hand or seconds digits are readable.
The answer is 7:52
